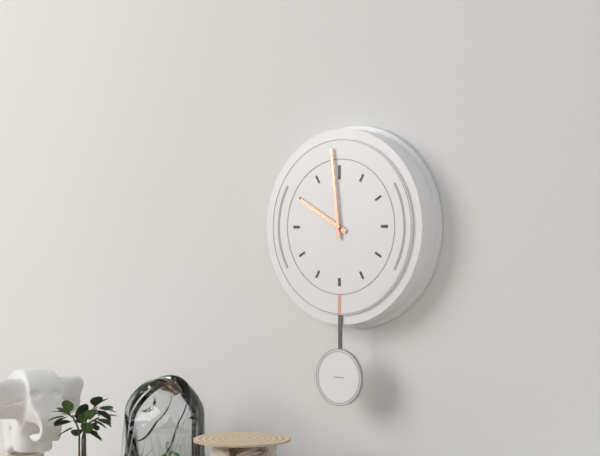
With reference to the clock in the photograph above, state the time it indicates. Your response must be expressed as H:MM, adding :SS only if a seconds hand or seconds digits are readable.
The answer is 9:59
